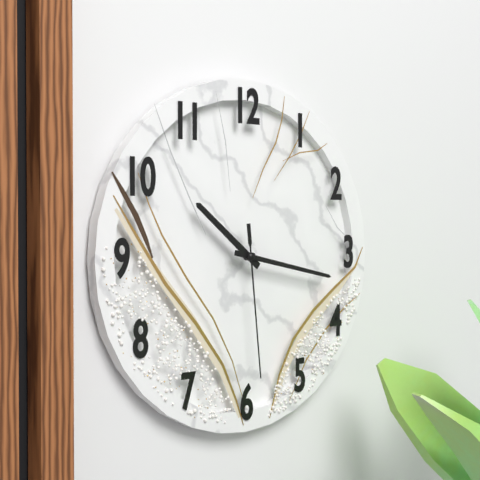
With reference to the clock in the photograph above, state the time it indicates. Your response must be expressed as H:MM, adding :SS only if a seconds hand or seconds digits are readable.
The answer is 10:17:29
